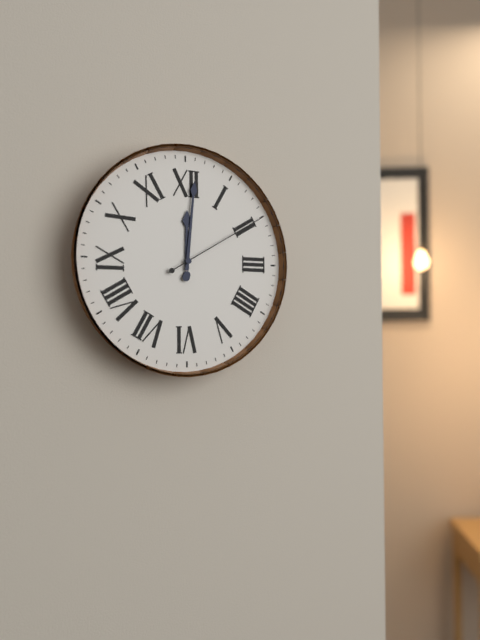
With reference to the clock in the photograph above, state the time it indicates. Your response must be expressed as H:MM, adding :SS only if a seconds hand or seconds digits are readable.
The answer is 12:01:10
